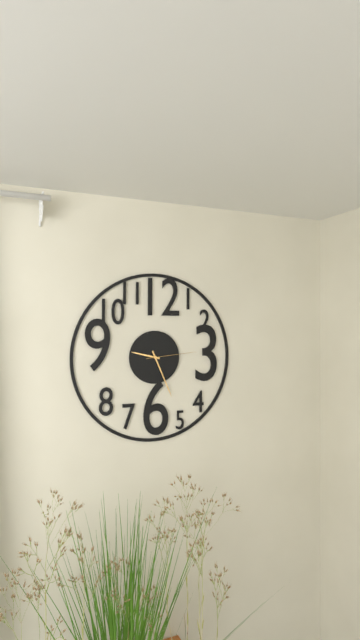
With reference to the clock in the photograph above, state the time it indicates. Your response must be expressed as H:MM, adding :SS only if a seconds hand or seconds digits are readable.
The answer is 9:26:14
